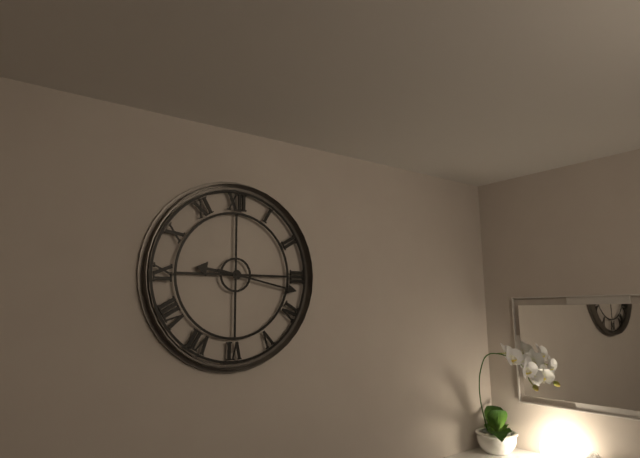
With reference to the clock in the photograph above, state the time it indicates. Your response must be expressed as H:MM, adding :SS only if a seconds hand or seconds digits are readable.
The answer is 9:17
